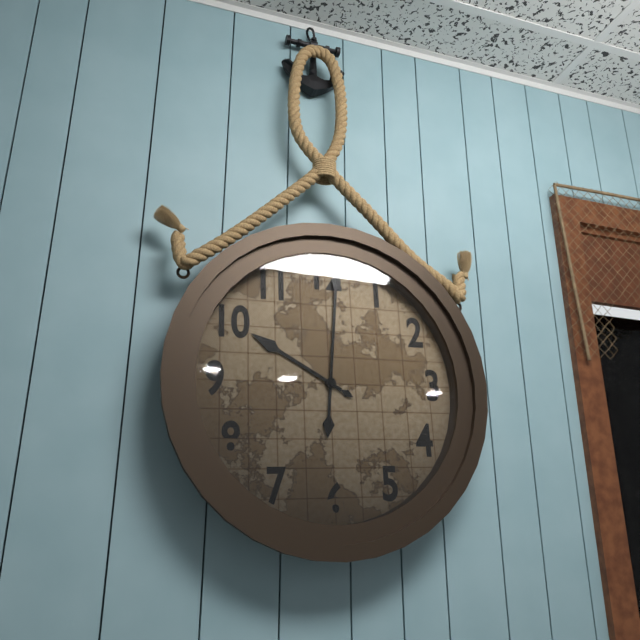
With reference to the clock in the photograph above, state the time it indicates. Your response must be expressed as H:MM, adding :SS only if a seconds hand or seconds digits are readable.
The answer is 10:01
